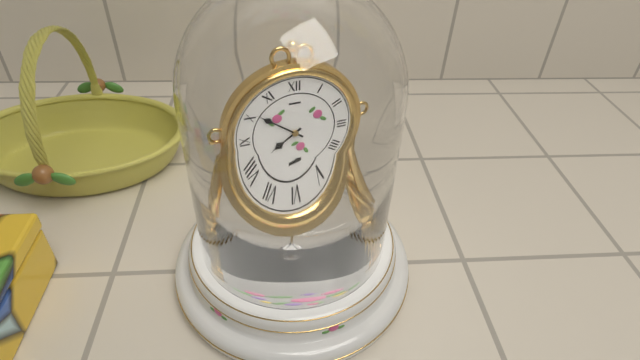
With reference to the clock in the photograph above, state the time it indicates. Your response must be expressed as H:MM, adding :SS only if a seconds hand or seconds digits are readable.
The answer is 7:51
